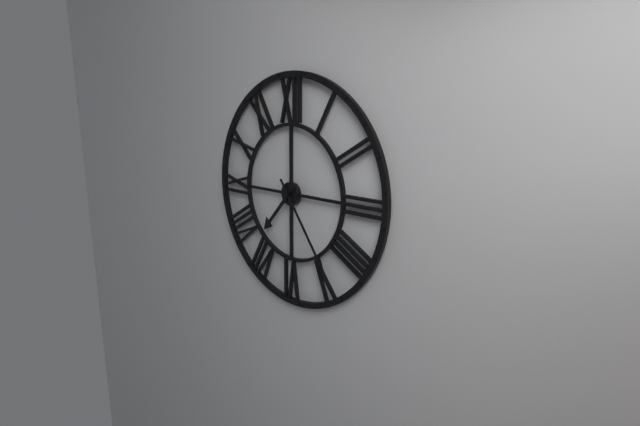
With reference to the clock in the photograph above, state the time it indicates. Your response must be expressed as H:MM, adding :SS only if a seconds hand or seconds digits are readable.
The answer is 7:24
